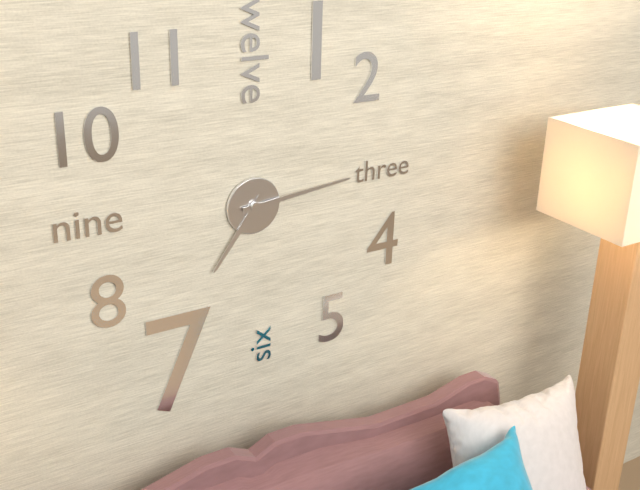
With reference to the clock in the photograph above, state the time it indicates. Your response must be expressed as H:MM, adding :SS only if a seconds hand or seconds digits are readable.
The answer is 7:14
